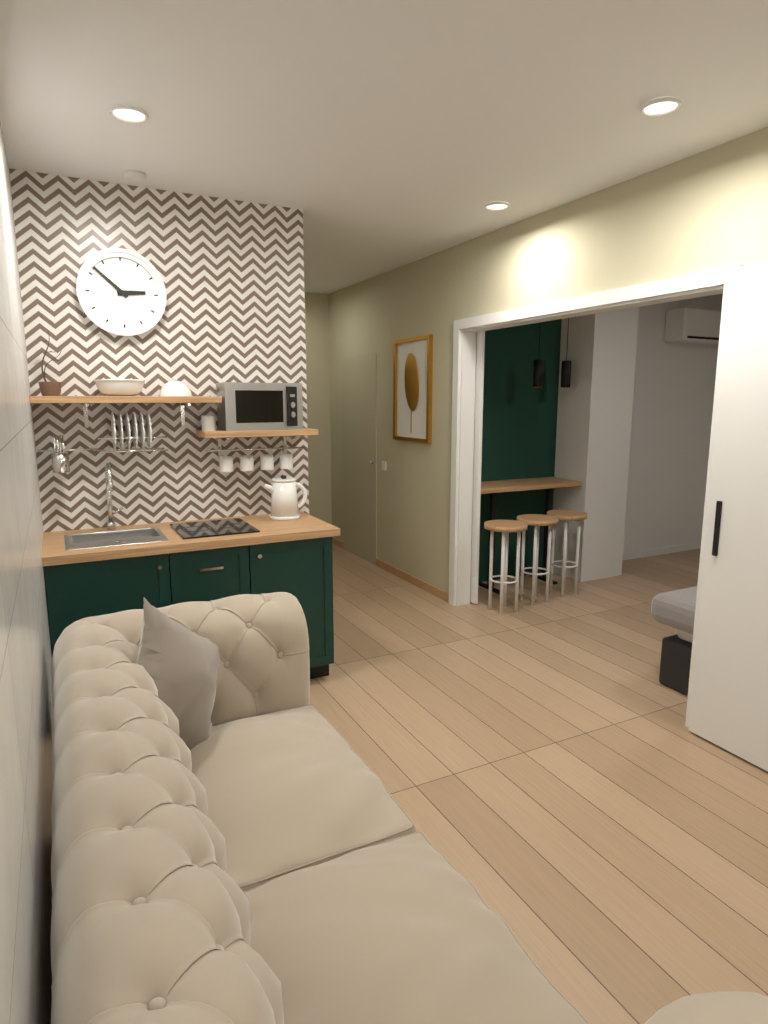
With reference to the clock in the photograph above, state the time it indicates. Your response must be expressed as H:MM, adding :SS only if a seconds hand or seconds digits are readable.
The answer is 2:52
